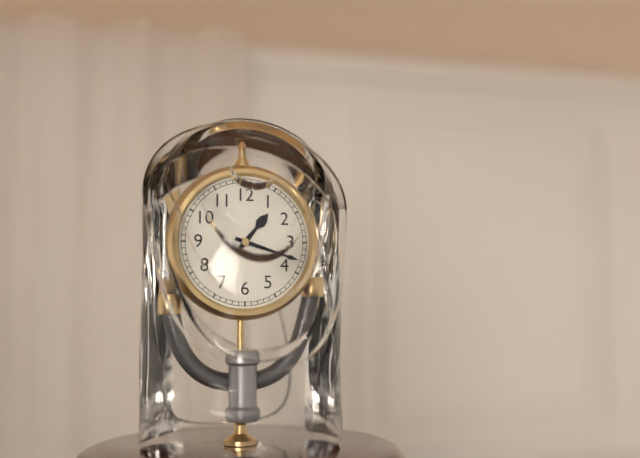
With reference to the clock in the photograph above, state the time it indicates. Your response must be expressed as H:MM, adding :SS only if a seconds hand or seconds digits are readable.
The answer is 1:18
